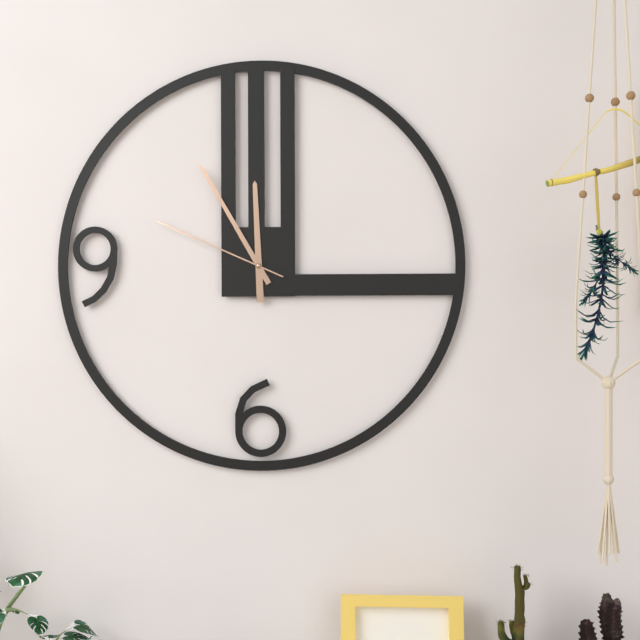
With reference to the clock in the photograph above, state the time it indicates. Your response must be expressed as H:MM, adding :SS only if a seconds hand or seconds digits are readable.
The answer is 11:55:49
